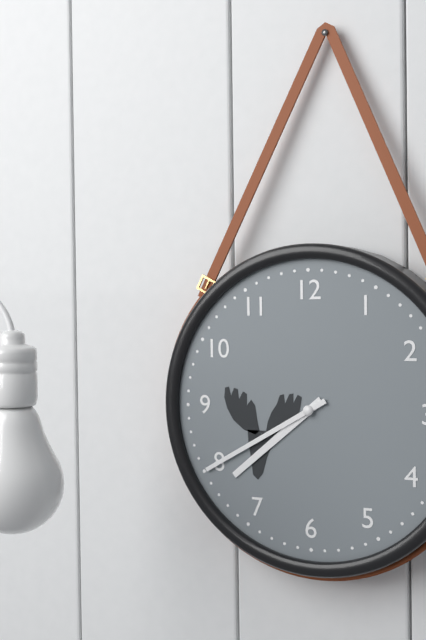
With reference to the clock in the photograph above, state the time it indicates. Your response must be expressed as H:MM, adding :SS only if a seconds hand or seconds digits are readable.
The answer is 7:40
